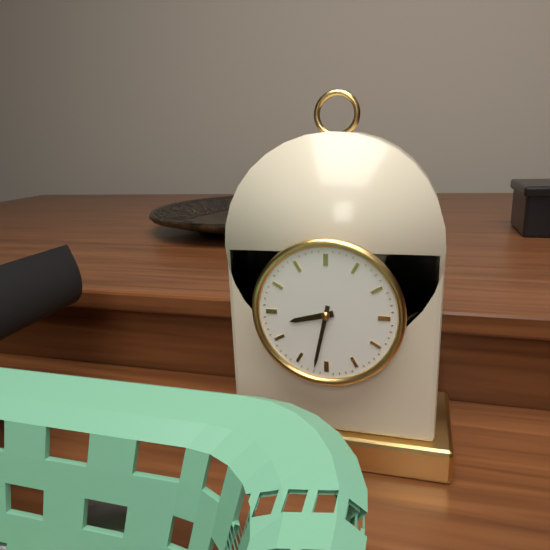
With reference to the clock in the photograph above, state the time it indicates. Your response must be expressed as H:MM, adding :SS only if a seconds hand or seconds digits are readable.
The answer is 8:32
